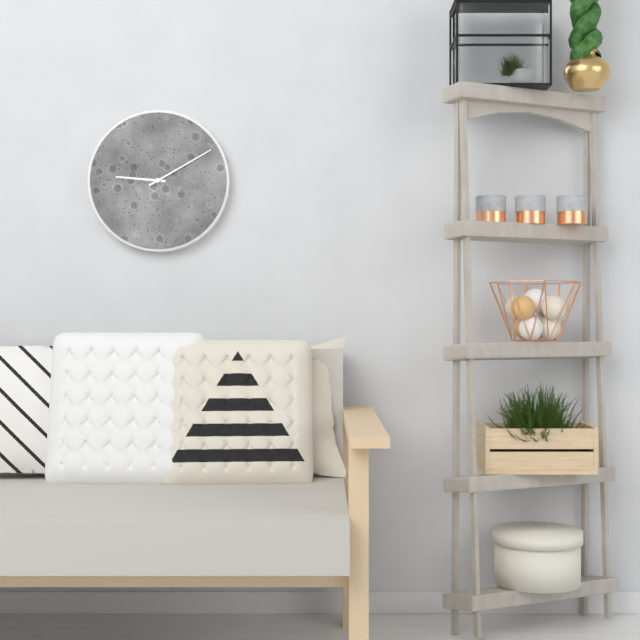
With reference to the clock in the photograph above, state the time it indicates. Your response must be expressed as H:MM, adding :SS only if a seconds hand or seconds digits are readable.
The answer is 9:10
